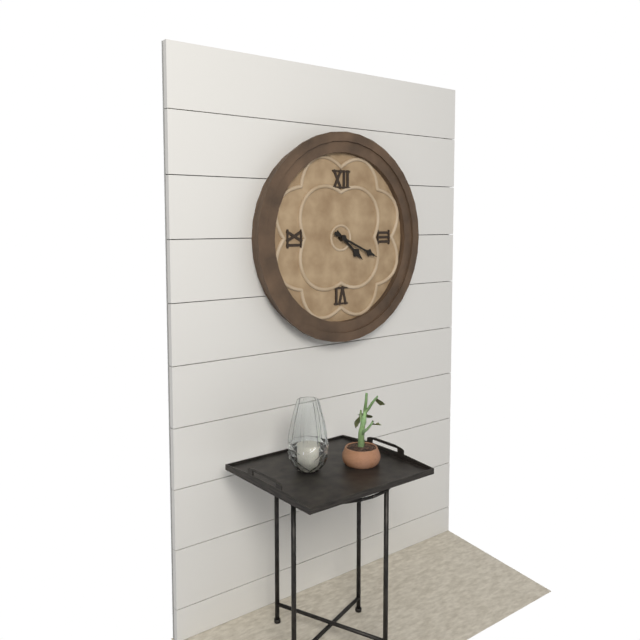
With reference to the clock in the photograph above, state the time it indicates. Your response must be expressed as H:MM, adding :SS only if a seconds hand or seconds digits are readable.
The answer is 4:19
